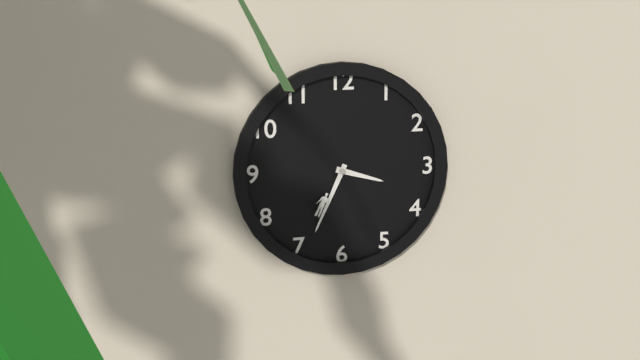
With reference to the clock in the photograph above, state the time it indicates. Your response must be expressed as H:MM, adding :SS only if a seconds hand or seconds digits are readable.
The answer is 3:34
